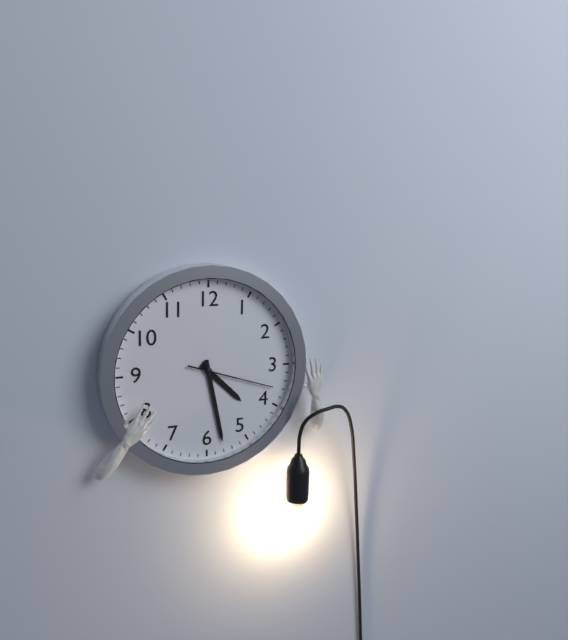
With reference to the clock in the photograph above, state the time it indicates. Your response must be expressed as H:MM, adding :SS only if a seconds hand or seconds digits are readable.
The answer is 4:28:18
